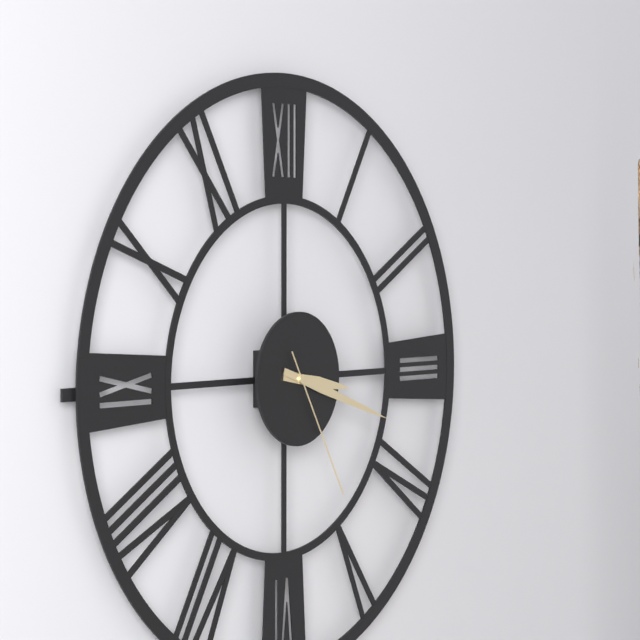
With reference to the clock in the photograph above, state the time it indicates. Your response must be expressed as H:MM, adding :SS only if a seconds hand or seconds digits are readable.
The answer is 3:18:25
